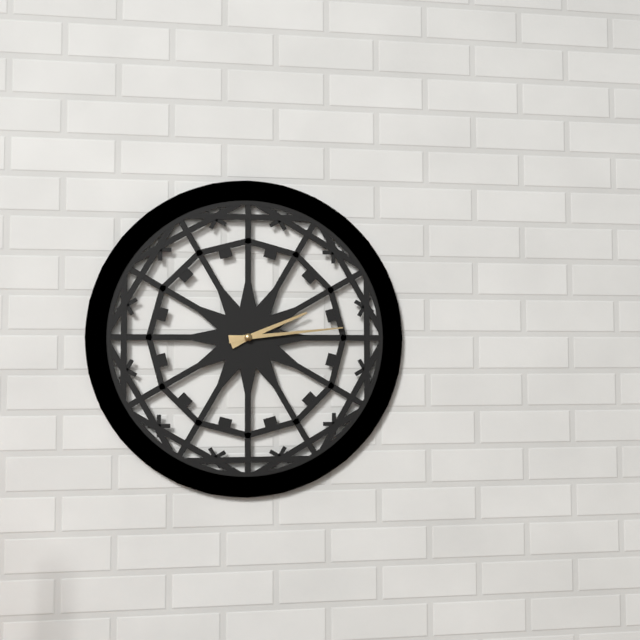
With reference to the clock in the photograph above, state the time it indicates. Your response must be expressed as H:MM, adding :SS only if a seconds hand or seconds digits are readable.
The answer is 2:14
